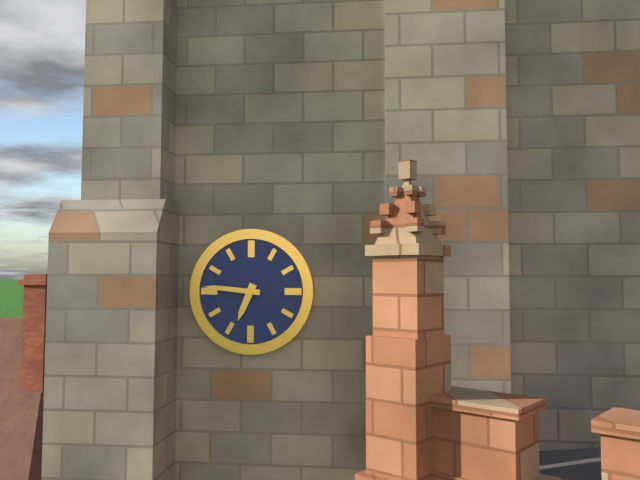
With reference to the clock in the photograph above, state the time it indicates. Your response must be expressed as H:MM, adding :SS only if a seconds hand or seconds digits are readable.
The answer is 6:46
